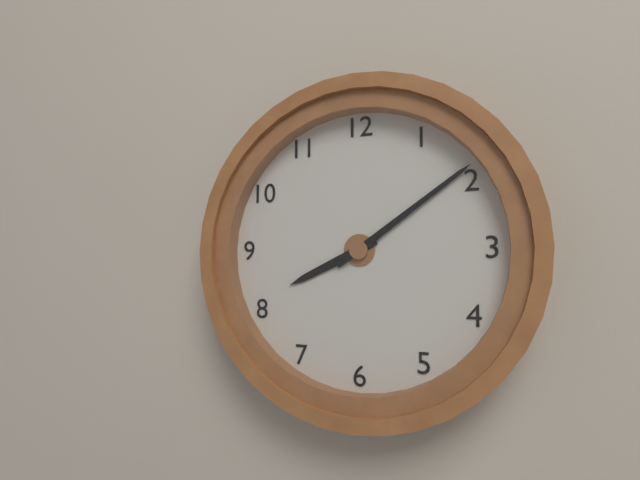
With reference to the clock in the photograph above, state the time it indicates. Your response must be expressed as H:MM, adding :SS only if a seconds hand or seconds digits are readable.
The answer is 8:09
